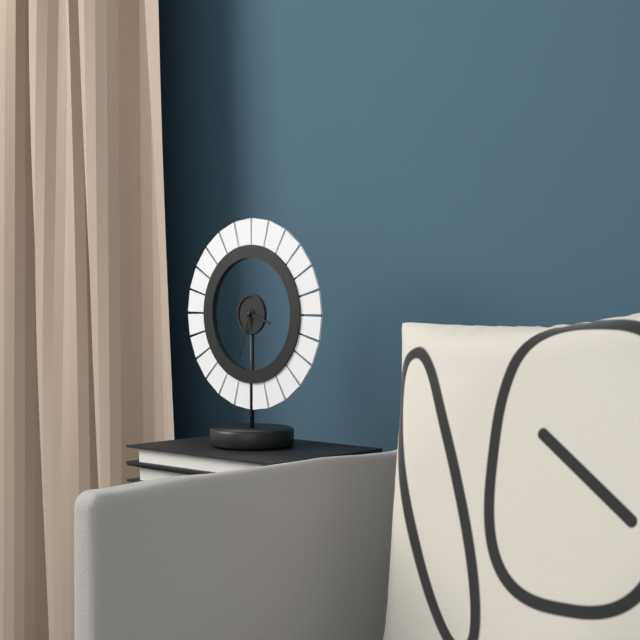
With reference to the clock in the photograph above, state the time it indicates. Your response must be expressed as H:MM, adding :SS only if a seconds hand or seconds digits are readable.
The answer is 3:33
